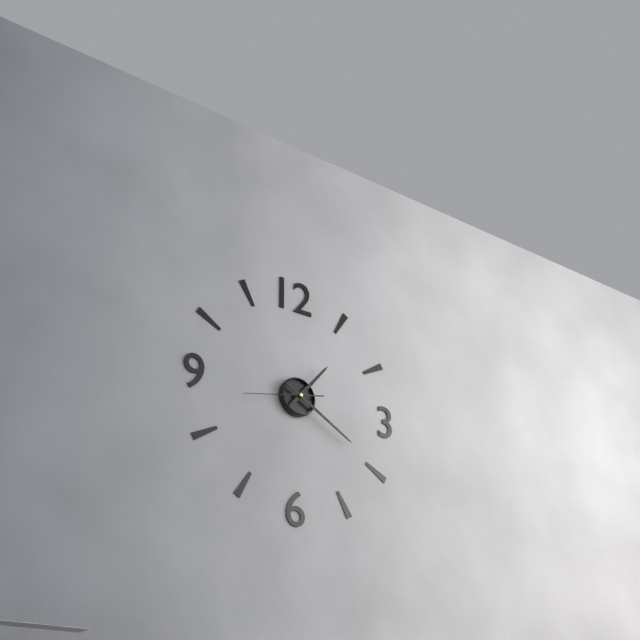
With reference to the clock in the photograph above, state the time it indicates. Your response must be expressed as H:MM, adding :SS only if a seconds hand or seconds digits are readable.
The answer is 1:20:43
